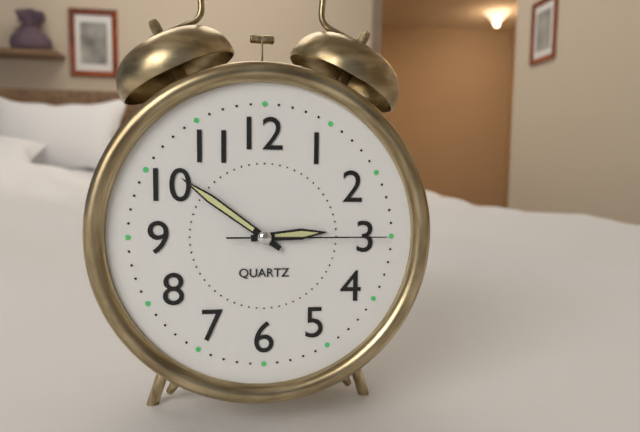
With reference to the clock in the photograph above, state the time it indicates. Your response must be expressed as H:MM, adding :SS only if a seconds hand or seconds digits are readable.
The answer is 2:51:15
